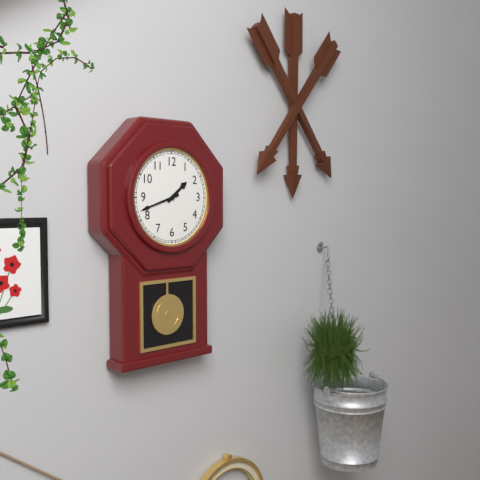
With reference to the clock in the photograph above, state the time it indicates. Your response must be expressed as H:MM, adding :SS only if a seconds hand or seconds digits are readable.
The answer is 1:42
